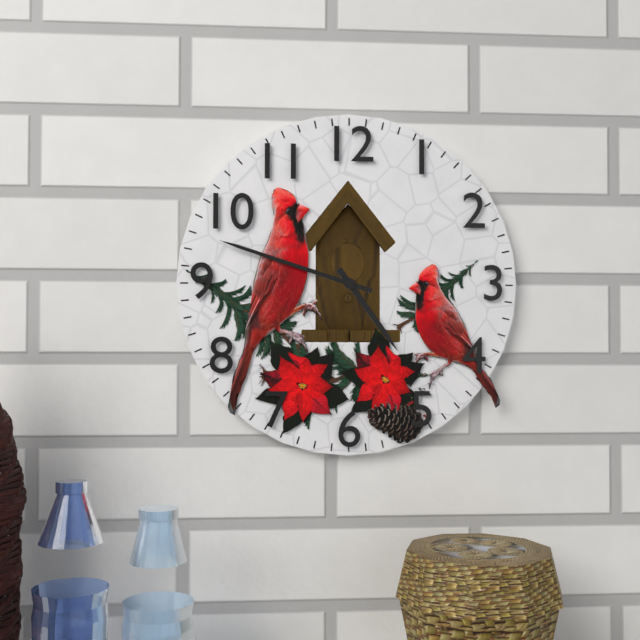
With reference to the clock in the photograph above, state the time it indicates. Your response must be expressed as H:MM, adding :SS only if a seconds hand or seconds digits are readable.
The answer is 4:48
